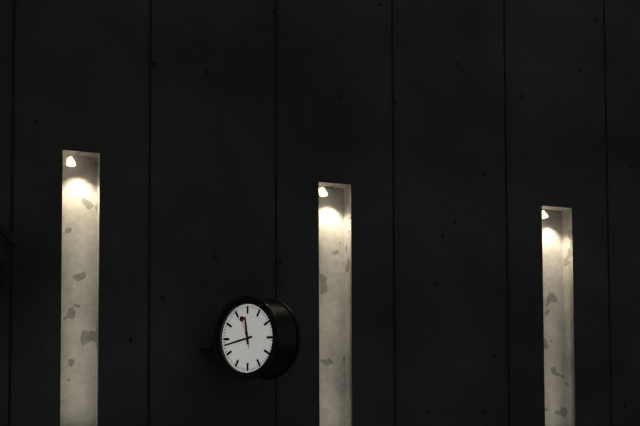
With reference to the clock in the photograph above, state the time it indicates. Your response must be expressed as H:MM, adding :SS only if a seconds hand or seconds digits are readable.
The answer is 11:43
